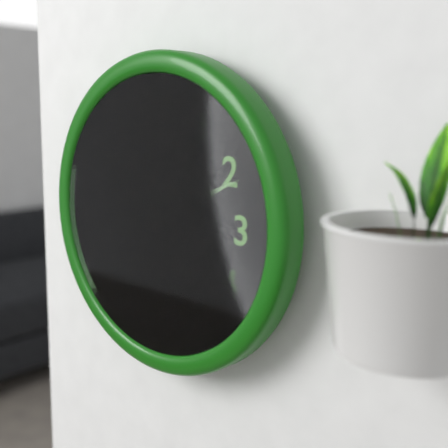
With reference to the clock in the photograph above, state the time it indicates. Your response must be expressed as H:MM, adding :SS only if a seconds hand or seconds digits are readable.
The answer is 1:11:31
